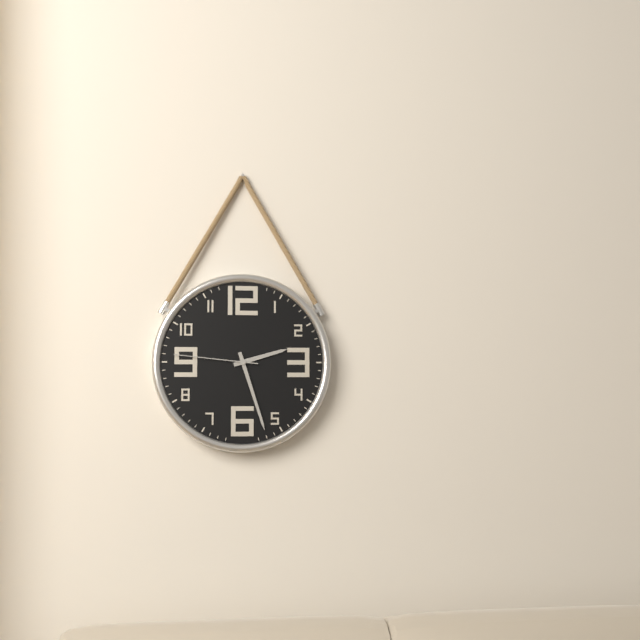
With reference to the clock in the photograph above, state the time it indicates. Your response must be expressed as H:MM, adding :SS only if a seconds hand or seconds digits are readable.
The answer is 2:27:46
